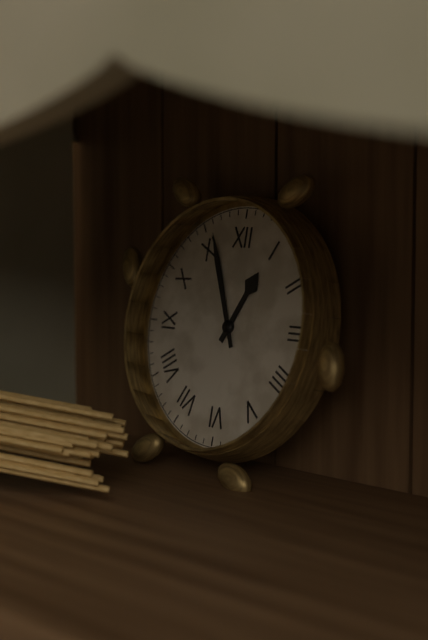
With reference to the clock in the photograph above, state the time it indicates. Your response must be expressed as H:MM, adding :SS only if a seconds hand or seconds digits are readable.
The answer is 12:56
